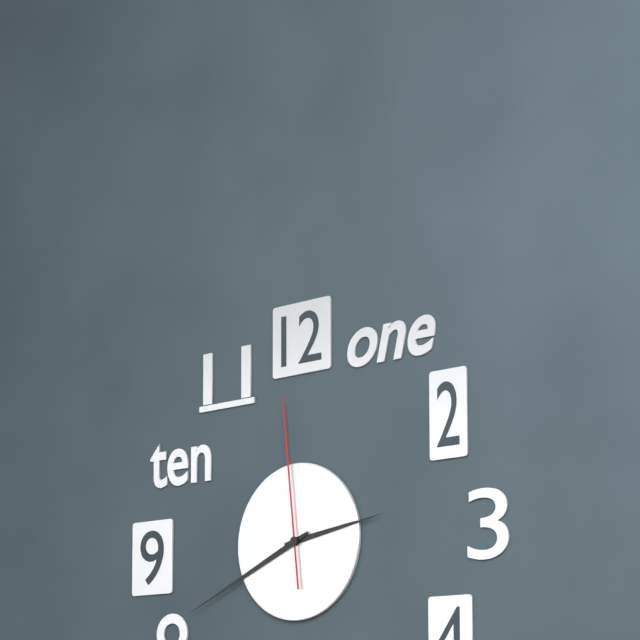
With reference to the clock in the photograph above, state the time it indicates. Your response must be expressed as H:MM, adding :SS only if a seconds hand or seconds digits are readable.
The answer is 2:41:59
